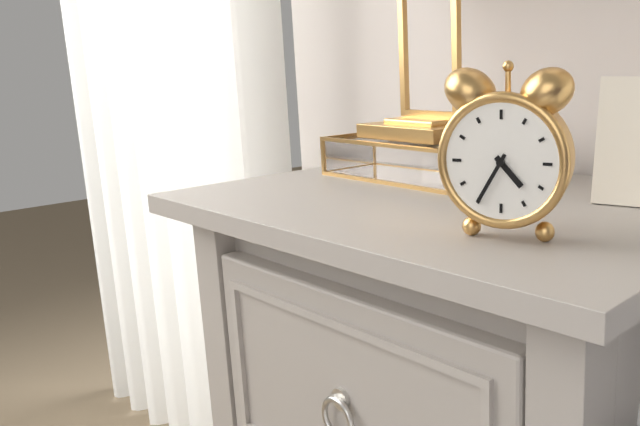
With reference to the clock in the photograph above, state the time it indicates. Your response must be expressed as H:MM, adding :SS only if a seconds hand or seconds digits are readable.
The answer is 4:35
